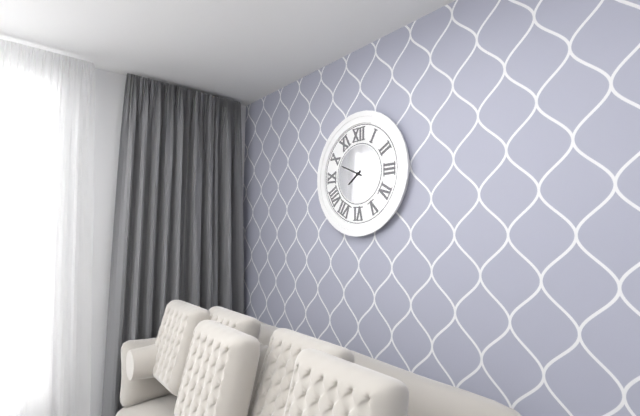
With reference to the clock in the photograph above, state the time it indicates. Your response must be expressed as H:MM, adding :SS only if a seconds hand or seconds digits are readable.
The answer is 7:49
